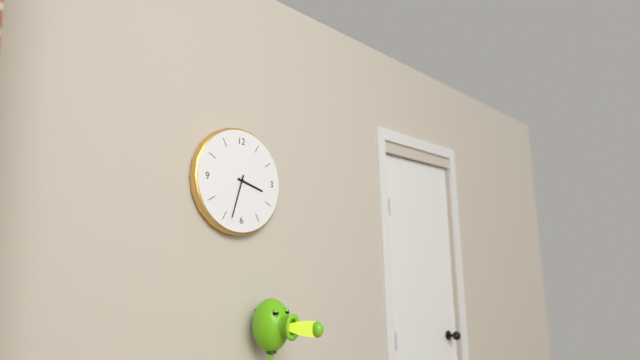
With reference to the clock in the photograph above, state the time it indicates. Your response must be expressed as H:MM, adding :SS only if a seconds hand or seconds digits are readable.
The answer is 3:33
